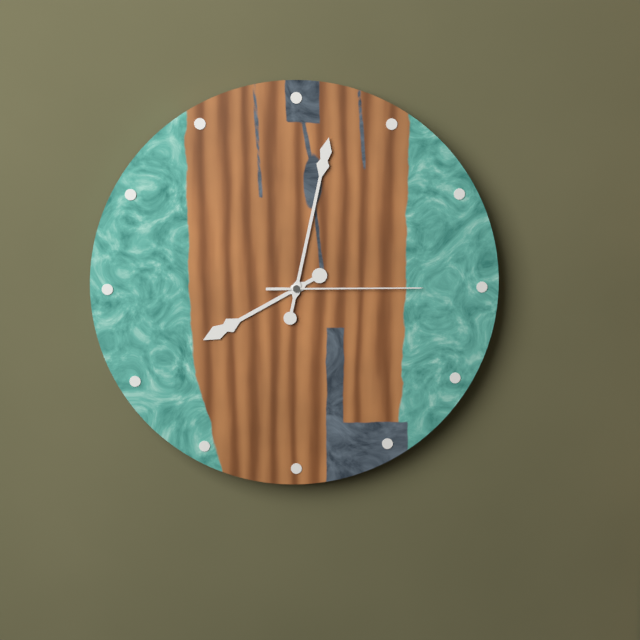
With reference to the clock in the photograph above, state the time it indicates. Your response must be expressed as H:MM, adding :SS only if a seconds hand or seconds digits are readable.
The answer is 8:02:15
